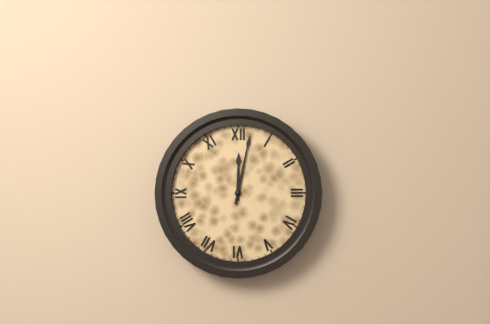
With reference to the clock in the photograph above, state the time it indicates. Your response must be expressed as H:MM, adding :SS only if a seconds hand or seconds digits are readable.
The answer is 12:02
